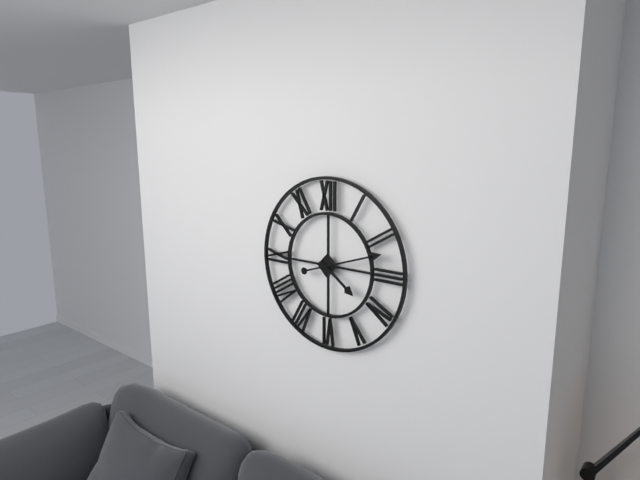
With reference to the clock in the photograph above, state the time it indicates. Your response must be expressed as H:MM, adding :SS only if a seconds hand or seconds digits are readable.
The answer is 4:12
